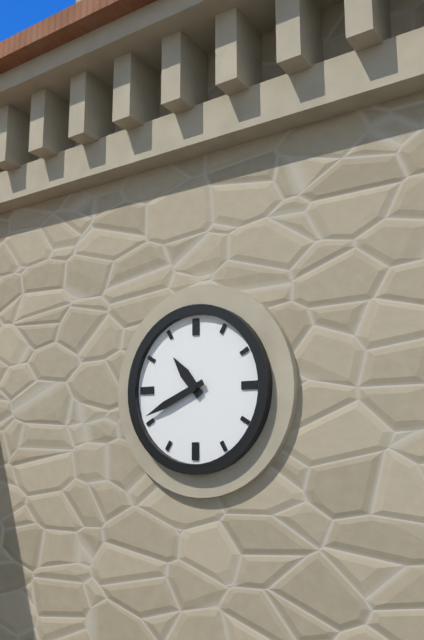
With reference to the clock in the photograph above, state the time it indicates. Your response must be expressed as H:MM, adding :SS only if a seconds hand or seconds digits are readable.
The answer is 10:41
